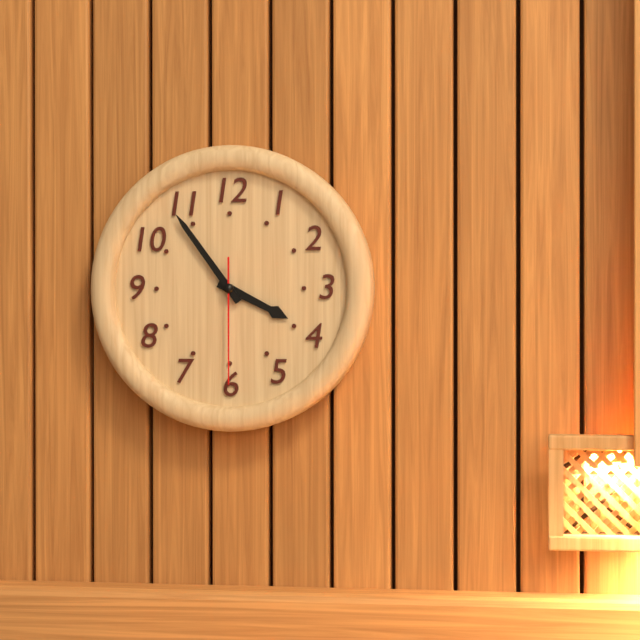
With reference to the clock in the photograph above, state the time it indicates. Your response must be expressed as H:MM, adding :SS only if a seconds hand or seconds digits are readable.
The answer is 3:54:30
